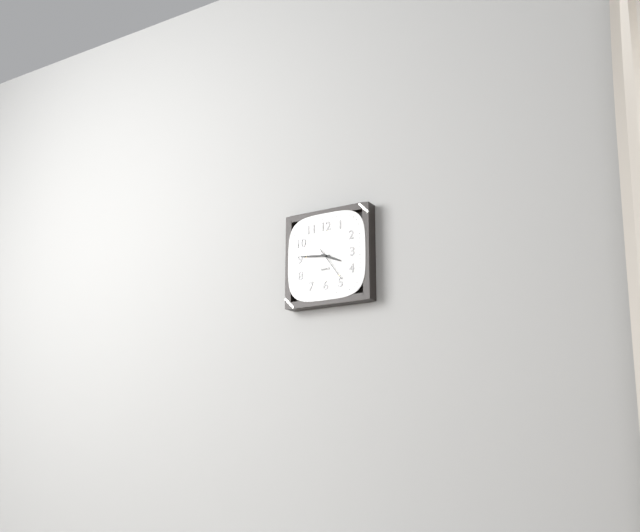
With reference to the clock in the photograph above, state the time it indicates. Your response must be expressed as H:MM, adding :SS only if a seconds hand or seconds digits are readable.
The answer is 3:46
